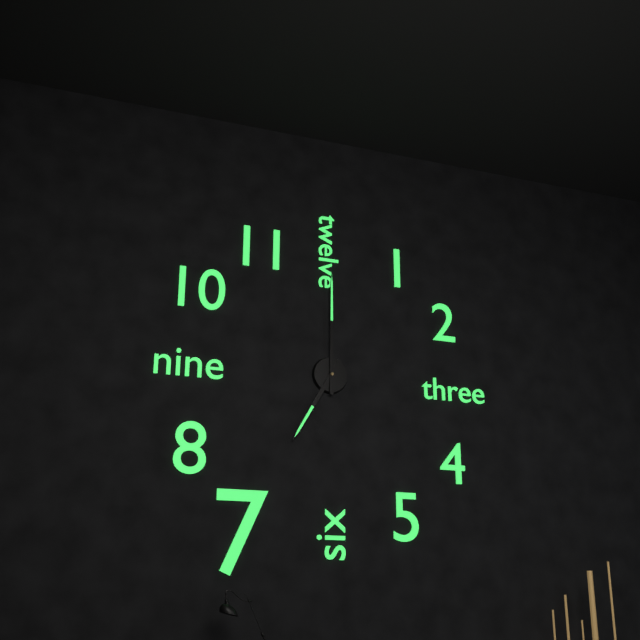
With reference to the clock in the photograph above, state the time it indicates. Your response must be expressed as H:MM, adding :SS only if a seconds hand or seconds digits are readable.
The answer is 7:00
